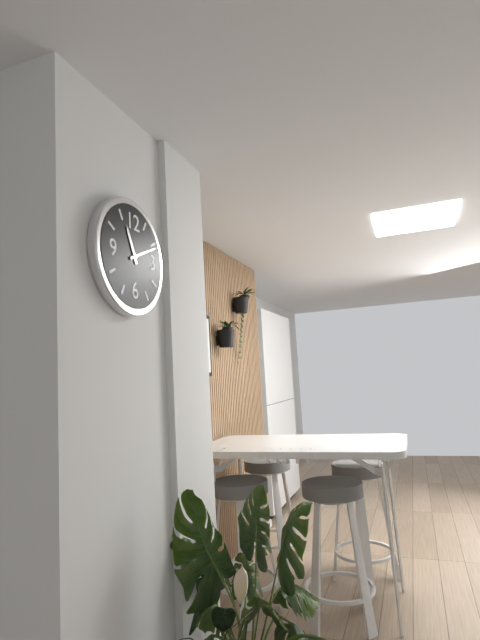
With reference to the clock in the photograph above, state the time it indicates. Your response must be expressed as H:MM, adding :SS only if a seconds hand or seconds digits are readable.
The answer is 11:11
